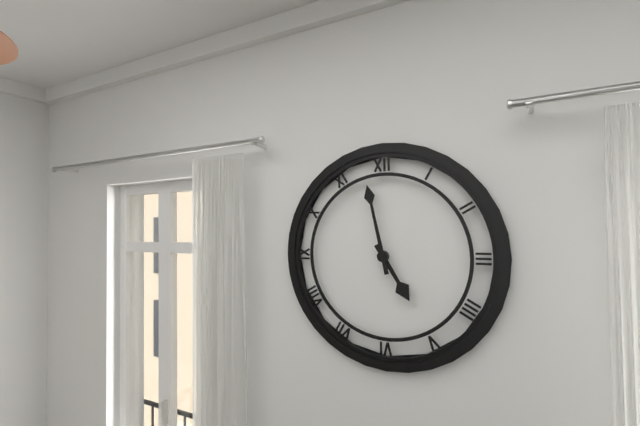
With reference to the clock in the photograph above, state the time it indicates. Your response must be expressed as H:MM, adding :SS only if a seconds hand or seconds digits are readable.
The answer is 4:58
